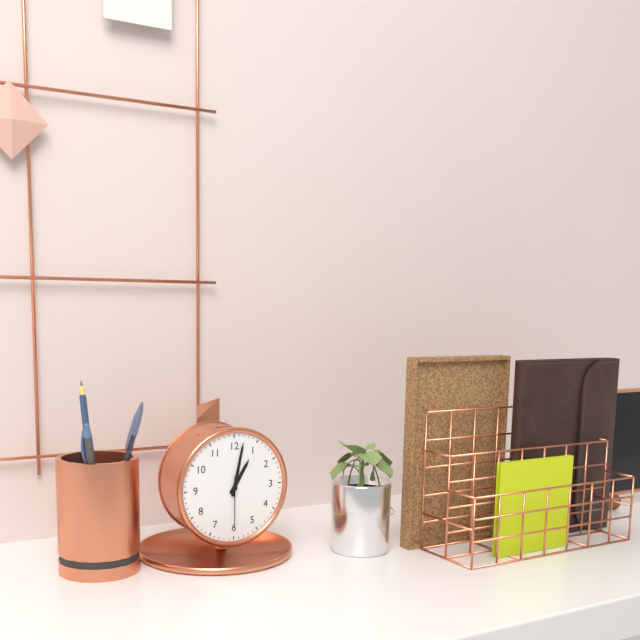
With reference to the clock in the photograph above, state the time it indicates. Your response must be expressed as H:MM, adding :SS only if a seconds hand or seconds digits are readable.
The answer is 1:02:30
